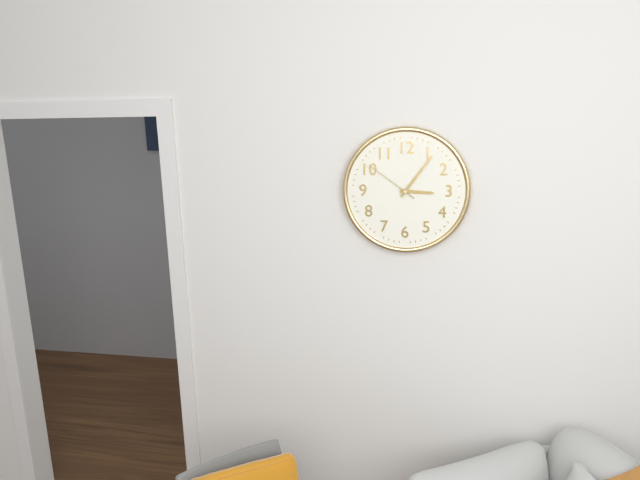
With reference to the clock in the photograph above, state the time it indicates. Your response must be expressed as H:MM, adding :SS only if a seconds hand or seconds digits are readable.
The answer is 3:06:51
